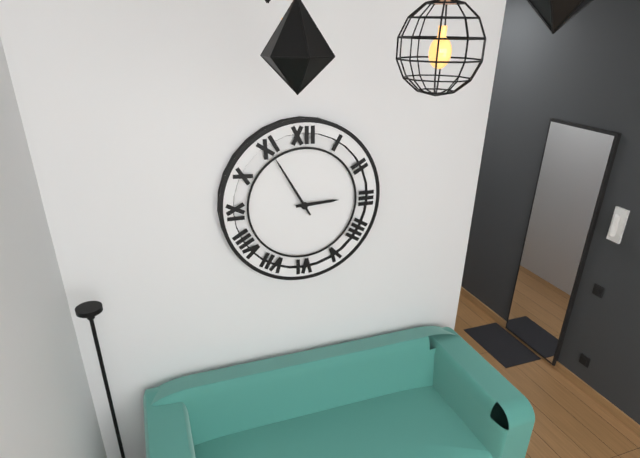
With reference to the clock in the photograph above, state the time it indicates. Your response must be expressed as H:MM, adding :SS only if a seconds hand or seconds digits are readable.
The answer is 2:55
